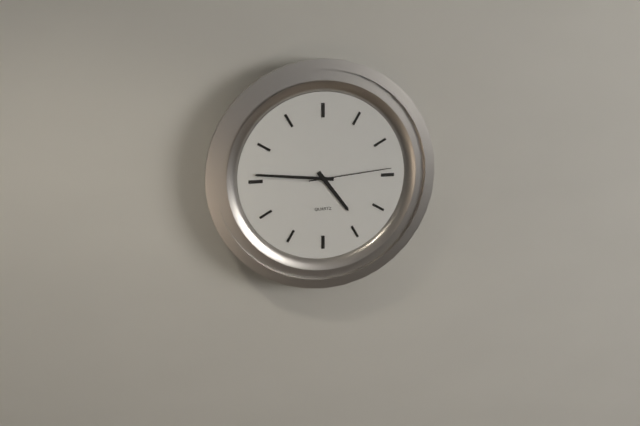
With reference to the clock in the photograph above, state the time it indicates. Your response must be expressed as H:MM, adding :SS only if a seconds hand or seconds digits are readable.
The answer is 4:46:14
